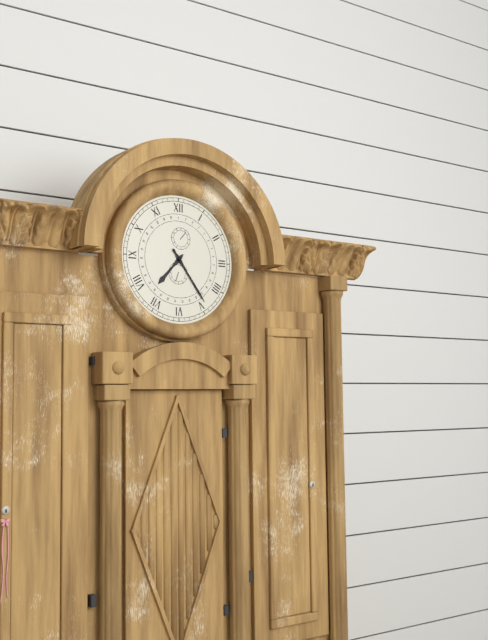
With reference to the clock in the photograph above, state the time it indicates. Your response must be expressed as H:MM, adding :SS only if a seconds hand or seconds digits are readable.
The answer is 7:24
